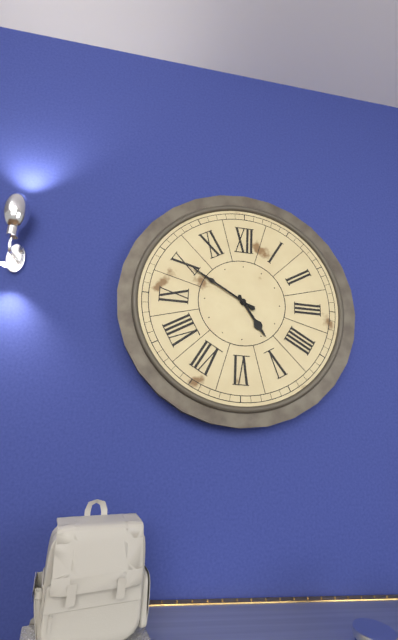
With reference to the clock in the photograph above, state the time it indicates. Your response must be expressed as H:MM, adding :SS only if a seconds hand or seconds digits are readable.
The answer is 4:50
